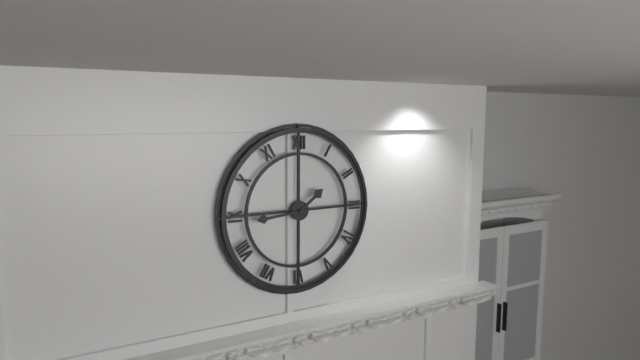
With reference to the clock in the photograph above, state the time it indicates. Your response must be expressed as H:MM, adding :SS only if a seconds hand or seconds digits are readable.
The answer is 1:44
